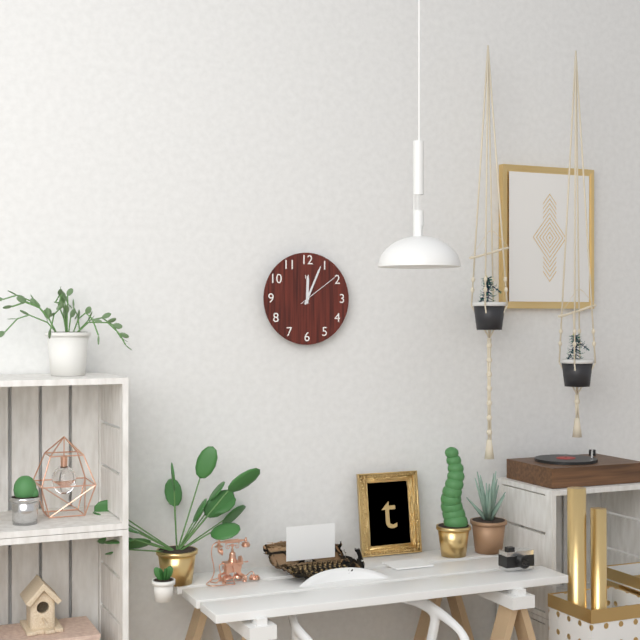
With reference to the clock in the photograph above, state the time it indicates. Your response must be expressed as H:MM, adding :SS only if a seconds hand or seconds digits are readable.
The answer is 12:04
